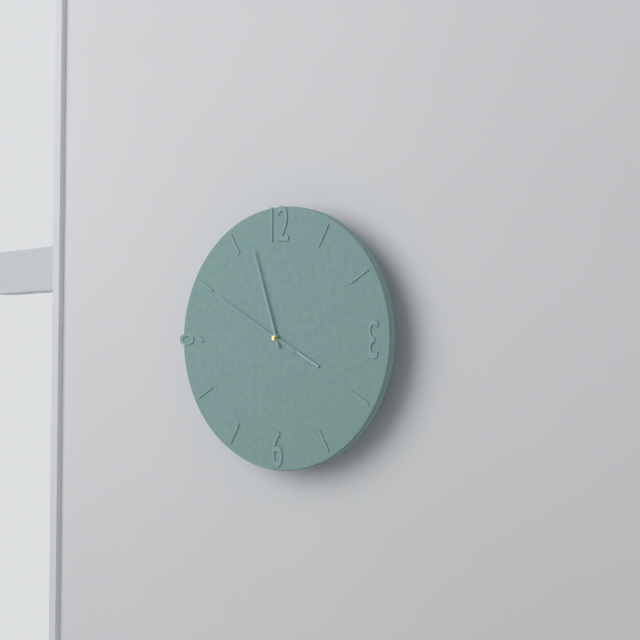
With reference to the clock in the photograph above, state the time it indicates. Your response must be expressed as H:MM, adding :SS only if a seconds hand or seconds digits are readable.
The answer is 3:57:50
